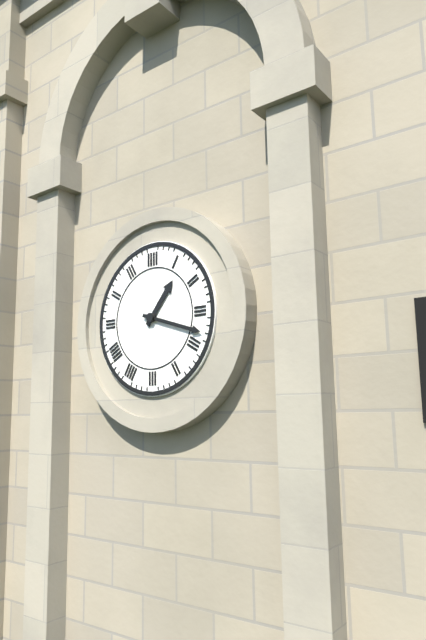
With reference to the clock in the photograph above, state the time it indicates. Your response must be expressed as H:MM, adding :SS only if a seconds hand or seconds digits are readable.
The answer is 1:18
